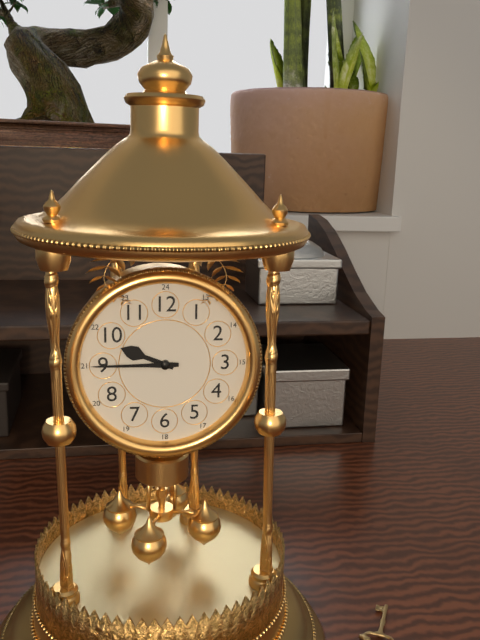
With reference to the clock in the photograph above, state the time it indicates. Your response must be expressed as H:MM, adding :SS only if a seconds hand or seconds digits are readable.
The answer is 9:45
